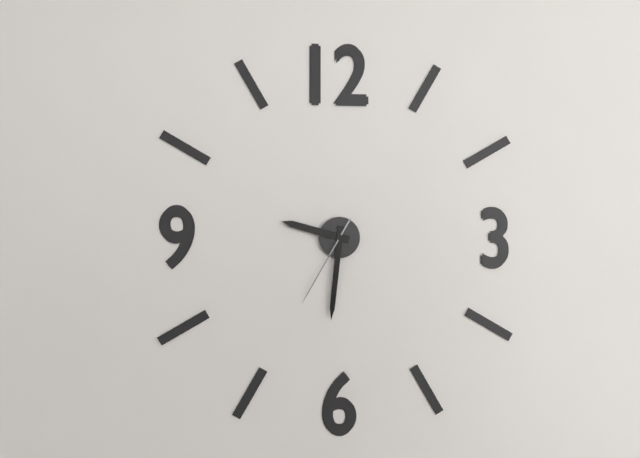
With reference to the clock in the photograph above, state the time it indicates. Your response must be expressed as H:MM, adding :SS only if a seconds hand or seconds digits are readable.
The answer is 9:31:35
